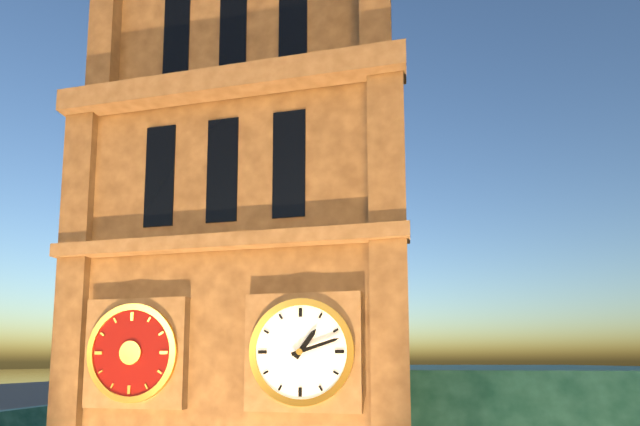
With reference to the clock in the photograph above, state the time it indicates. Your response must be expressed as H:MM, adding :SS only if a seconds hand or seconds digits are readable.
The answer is 1:12
